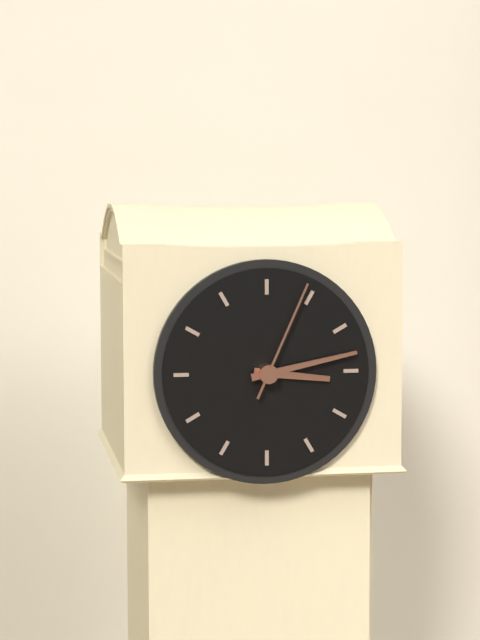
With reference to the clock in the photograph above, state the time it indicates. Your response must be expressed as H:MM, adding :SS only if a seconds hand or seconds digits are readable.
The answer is 3:13:04
